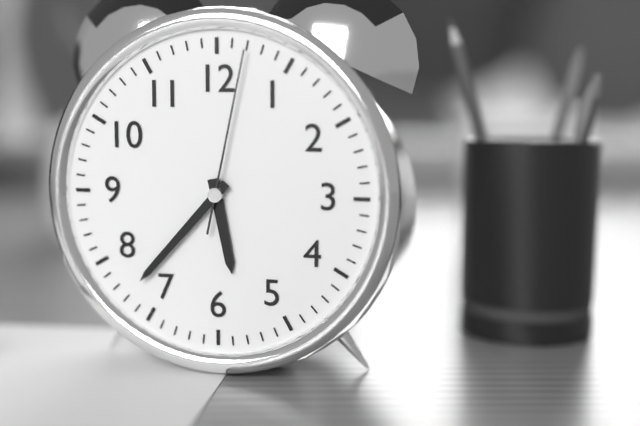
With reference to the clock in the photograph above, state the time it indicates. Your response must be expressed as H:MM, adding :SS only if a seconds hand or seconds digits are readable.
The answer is 5:37:02
